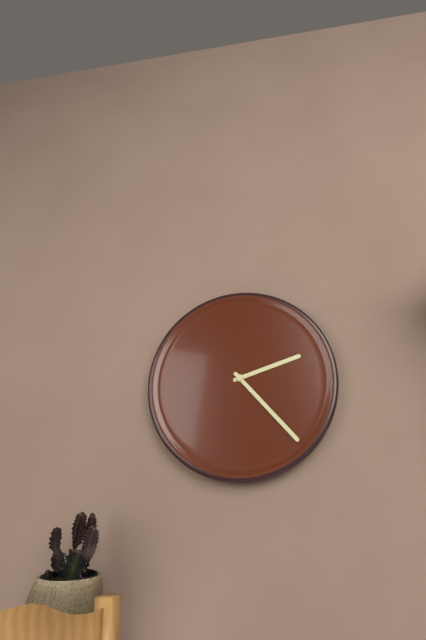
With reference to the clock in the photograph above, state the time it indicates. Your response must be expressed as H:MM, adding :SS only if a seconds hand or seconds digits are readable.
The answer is 2:23
